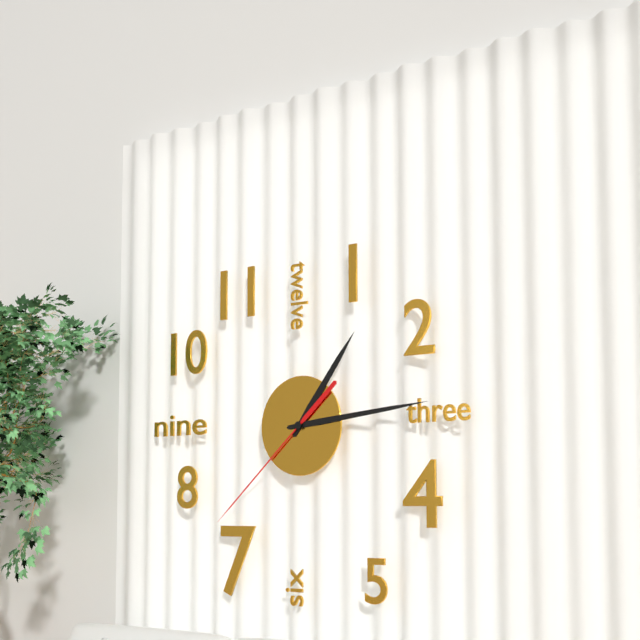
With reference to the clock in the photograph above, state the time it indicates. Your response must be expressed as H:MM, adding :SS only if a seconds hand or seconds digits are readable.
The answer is 1:14:38
